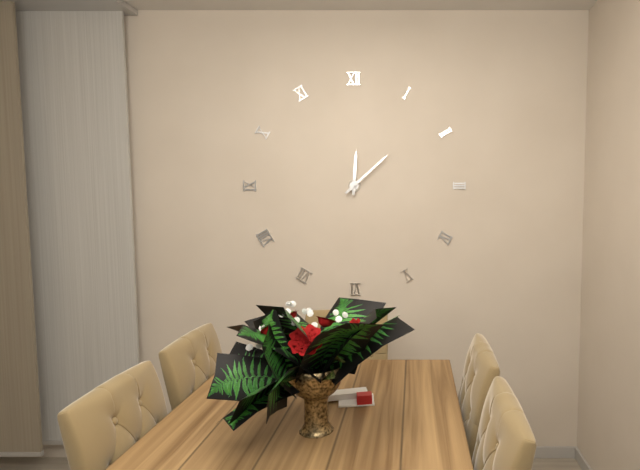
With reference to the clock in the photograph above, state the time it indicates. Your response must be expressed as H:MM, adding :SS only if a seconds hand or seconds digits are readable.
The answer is 12:08
